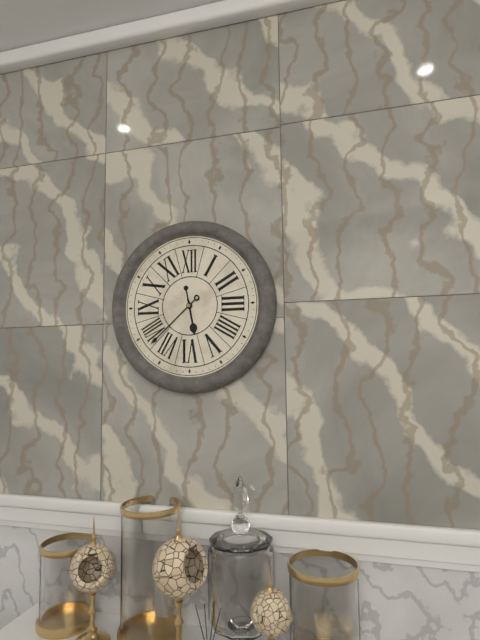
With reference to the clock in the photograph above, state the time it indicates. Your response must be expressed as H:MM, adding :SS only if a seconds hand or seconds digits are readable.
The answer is 5:38
